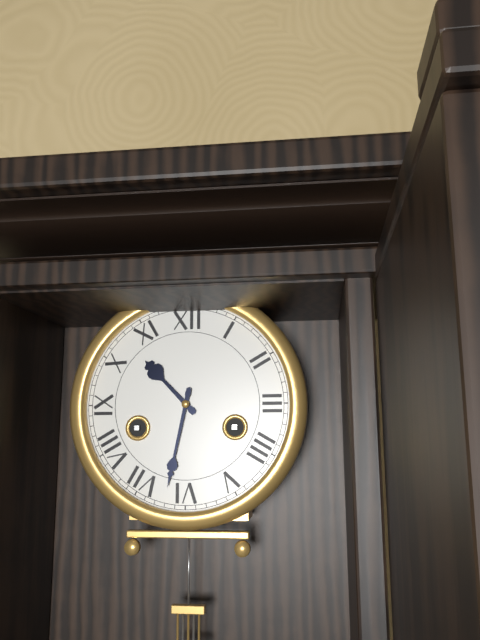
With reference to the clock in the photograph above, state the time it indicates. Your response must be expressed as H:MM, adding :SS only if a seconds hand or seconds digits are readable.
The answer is 10:32
